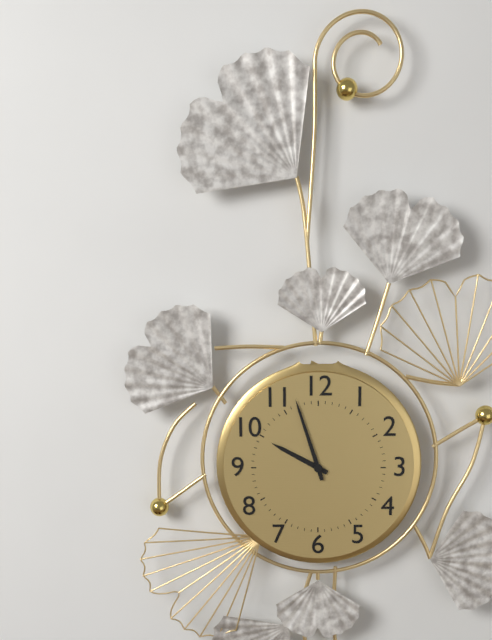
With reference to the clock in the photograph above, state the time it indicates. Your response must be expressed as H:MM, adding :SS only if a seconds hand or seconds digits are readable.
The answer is 9:57
